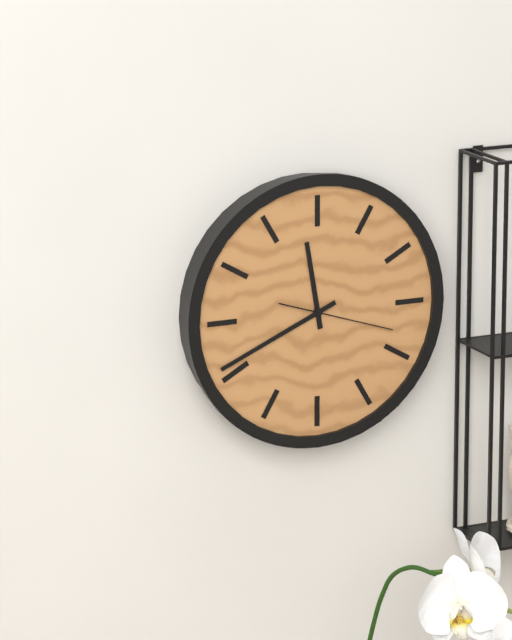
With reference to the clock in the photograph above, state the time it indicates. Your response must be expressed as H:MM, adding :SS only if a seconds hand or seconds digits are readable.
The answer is 11:41:18
